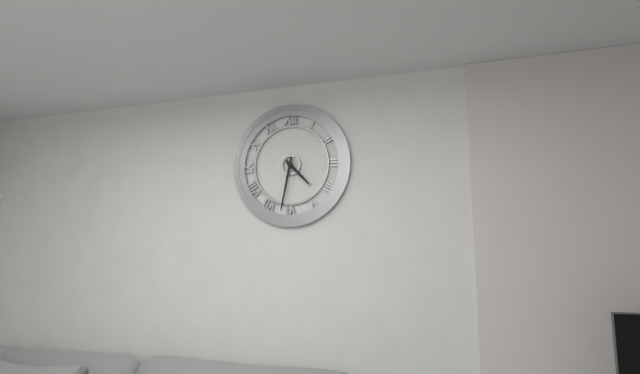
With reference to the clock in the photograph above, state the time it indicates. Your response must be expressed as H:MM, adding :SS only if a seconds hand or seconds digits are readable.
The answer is 4:32
